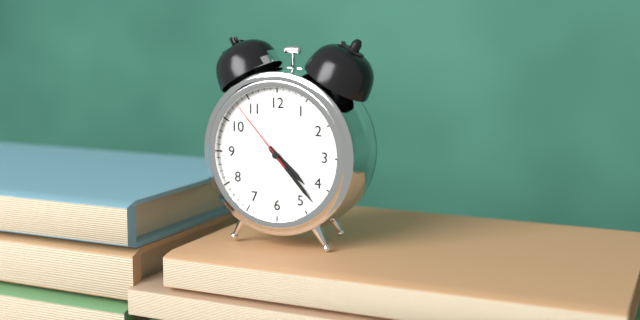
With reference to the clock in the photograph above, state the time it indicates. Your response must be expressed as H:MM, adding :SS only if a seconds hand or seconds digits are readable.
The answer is 4:23:53
